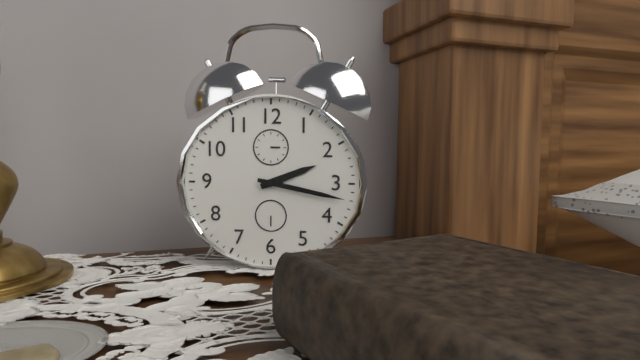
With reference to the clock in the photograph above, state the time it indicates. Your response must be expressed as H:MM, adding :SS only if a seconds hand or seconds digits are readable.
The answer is 2:17
